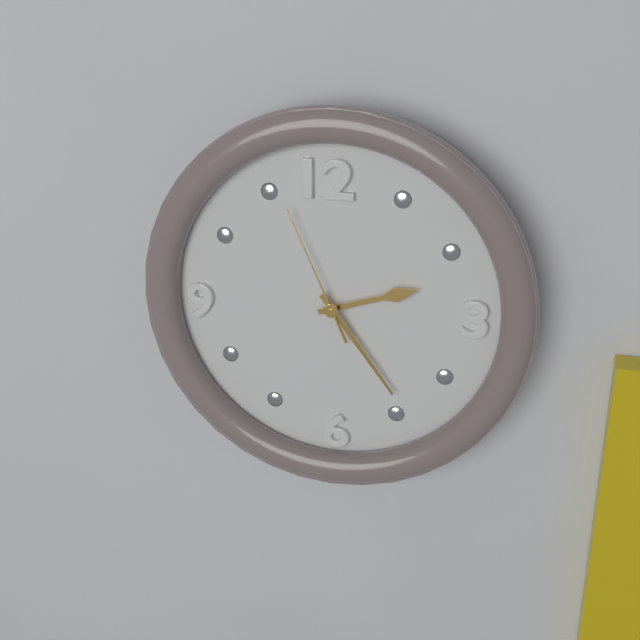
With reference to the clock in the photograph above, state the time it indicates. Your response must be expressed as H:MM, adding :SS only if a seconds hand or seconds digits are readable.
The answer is 2:24:56
